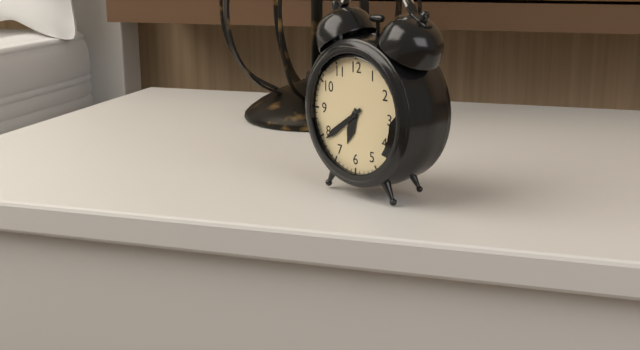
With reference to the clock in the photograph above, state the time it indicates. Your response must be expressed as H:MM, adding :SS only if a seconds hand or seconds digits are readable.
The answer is 6:39
